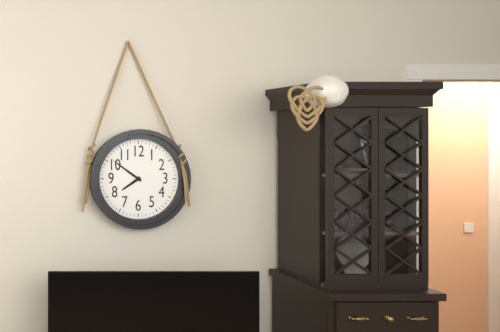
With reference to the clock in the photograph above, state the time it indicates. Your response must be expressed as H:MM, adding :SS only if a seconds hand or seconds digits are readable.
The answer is 7:51
